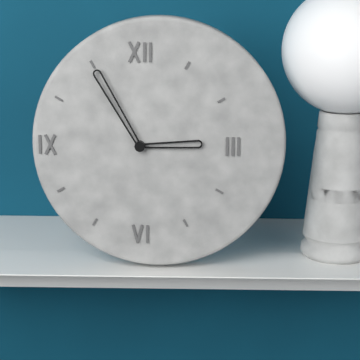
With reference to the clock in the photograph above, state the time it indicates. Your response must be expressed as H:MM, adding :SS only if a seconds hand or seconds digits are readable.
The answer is 2:55
